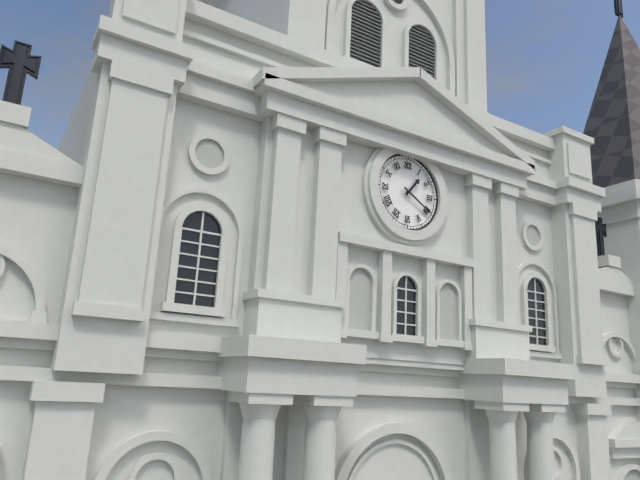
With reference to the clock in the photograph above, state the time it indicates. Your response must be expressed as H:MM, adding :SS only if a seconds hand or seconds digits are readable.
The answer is 1:20
